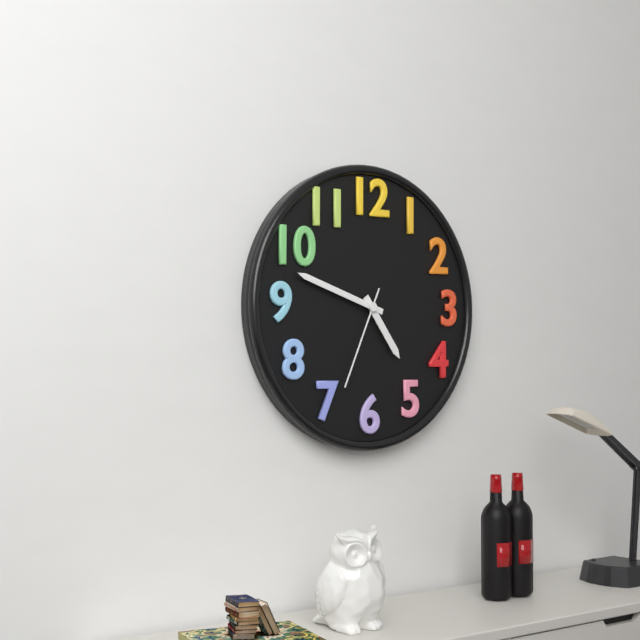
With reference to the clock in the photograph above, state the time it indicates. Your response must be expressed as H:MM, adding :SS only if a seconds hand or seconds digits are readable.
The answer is 4:48:34
